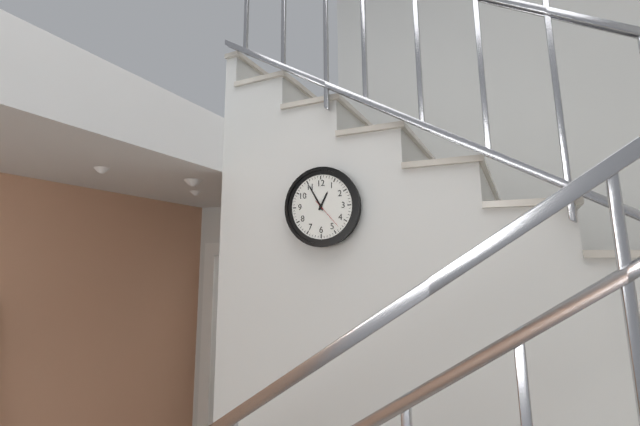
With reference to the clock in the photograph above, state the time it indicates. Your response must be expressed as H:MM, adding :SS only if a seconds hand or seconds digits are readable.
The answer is 12:55
